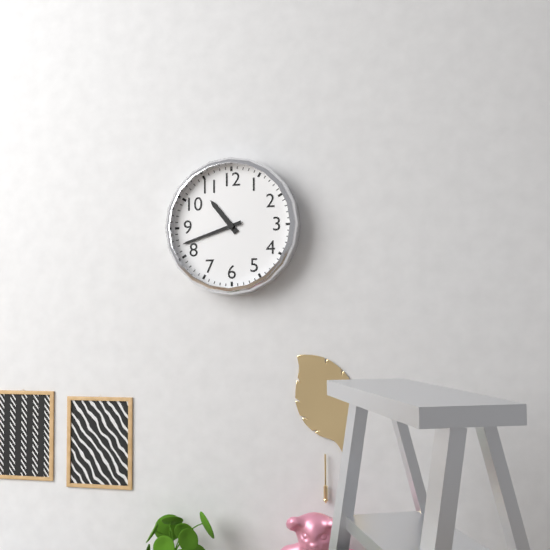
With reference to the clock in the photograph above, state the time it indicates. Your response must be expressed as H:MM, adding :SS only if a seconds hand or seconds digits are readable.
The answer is 10:42
